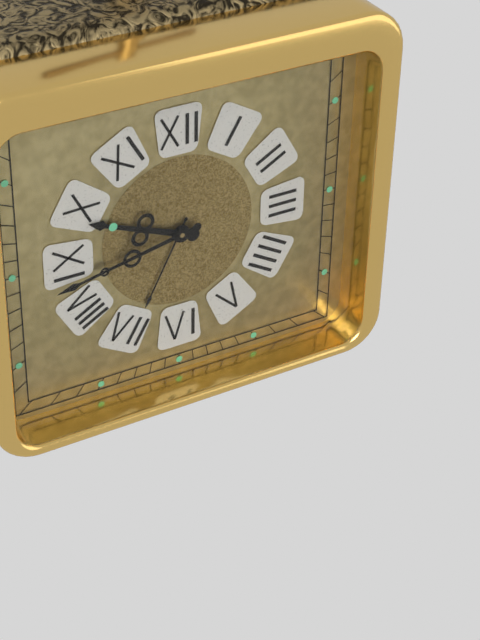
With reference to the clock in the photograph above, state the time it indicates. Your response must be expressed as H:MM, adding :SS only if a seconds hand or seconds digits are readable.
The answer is 9:43
